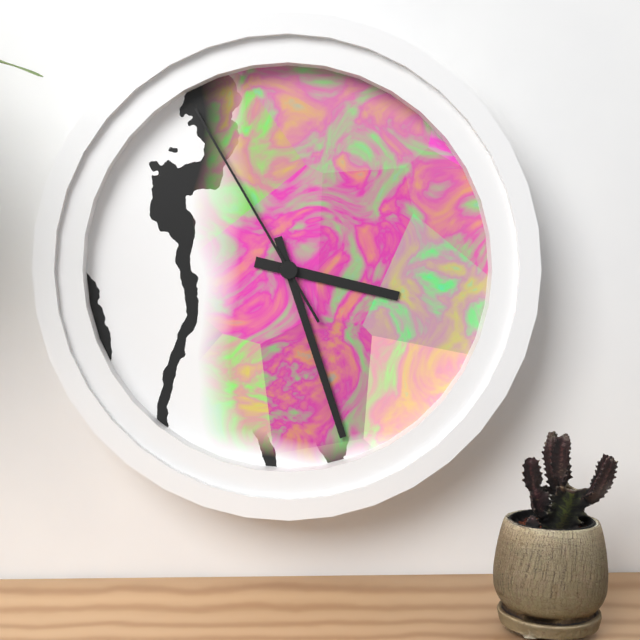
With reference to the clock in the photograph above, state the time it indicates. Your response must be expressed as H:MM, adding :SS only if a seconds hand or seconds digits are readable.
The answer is 3:27:55
